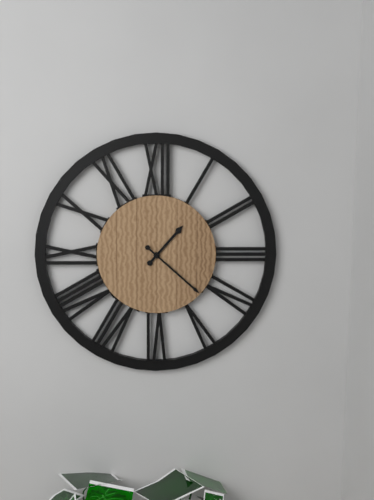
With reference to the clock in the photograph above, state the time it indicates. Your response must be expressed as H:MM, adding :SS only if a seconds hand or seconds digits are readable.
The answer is 1:22
